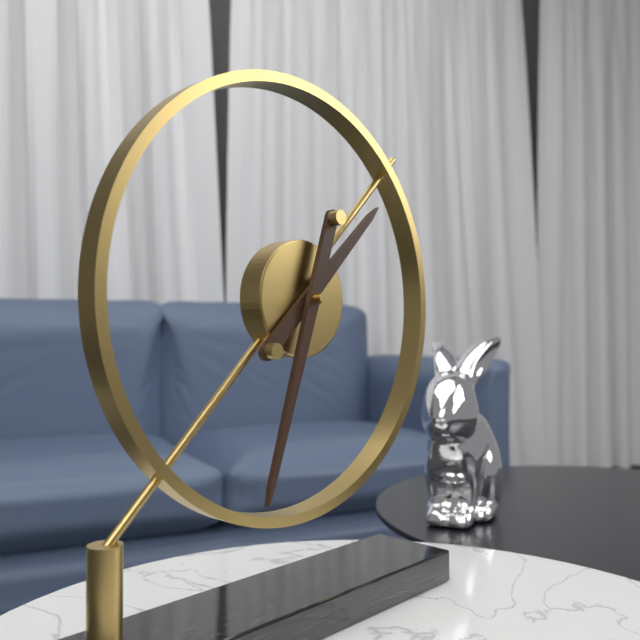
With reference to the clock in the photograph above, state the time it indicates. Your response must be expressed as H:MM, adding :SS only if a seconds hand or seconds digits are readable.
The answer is 1:33
